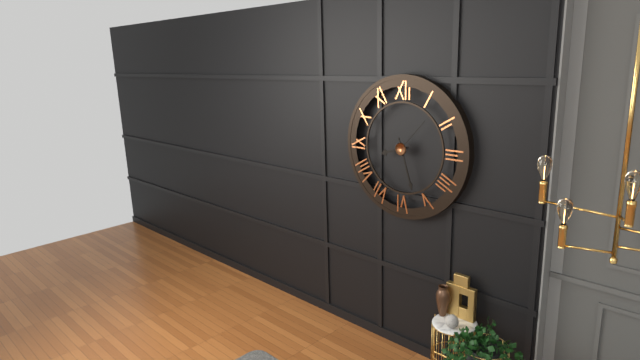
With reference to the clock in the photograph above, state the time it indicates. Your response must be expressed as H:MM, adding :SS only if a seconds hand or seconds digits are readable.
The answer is 8:27
